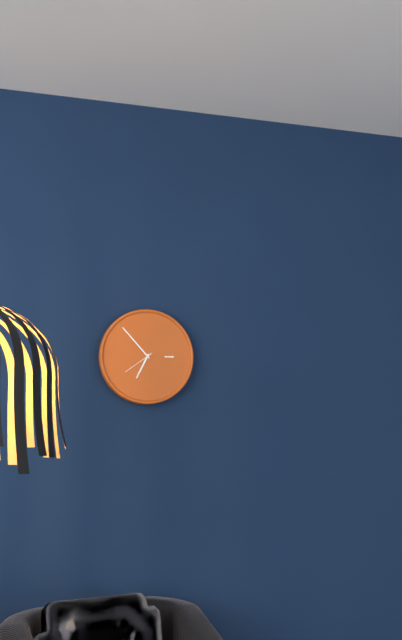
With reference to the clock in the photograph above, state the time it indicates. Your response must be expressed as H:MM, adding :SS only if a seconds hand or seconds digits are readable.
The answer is 6:53
